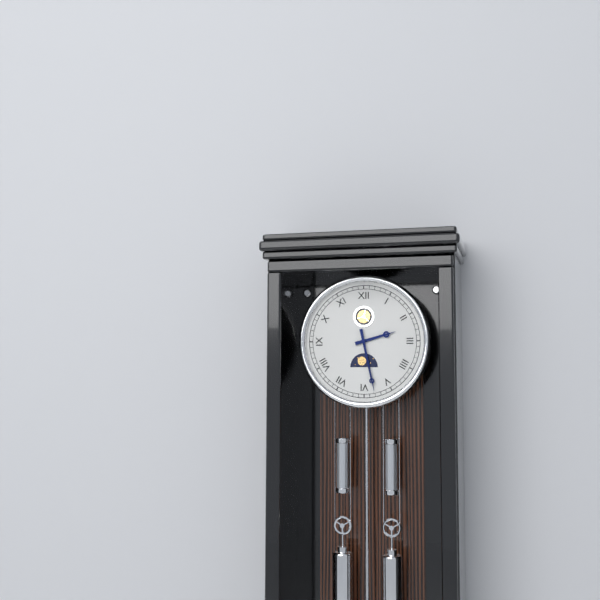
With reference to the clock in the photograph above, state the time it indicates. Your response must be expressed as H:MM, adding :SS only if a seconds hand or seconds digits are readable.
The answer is 2:28
